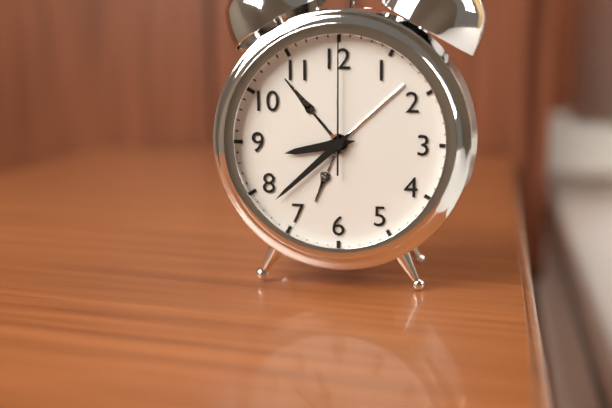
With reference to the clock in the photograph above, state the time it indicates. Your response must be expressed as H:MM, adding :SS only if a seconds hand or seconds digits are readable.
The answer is 8:38:00
